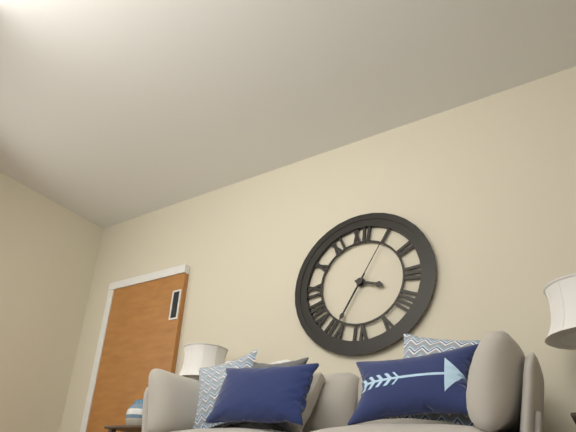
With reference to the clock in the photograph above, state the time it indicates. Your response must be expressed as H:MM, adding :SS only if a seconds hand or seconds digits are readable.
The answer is 3:35:05
